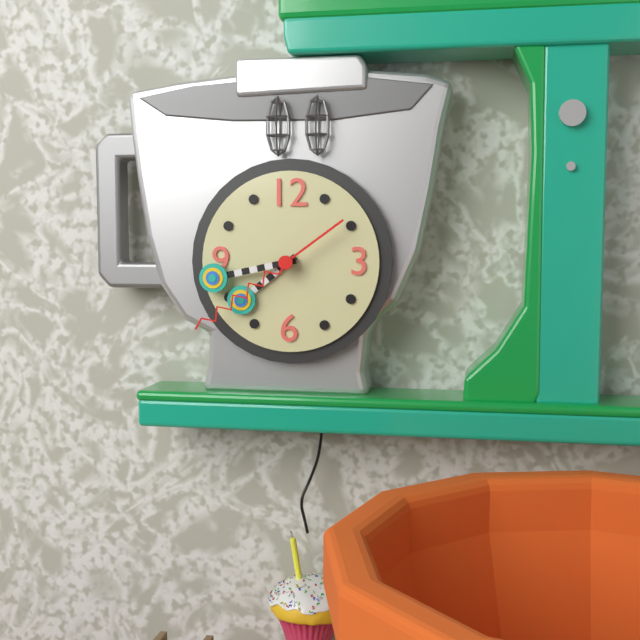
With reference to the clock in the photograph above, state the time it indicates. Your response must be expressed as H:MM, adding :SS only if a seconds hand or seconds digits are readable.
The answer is 7:43:39
